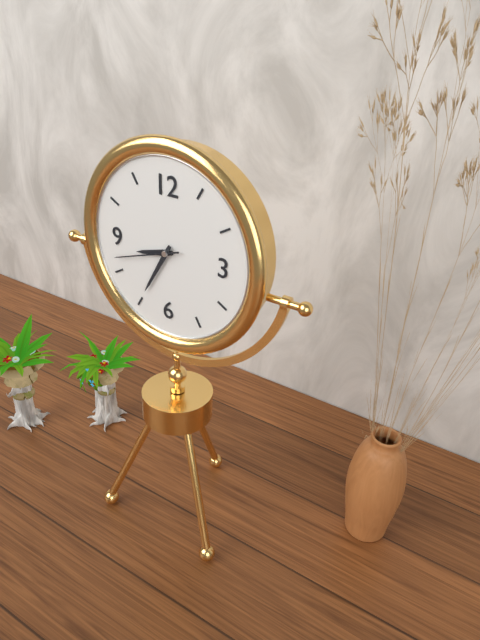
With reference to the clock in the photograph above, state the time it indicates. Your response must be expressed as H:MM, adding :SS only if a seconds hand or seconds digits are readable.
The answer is 8:35:42
